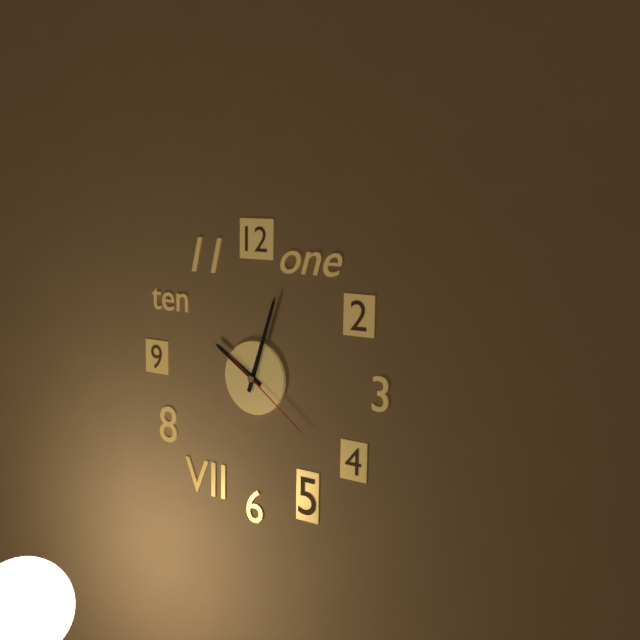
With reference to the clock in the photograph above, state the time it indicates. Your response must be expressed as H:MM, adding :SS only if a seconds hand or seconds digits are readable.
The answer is 10:03:21
